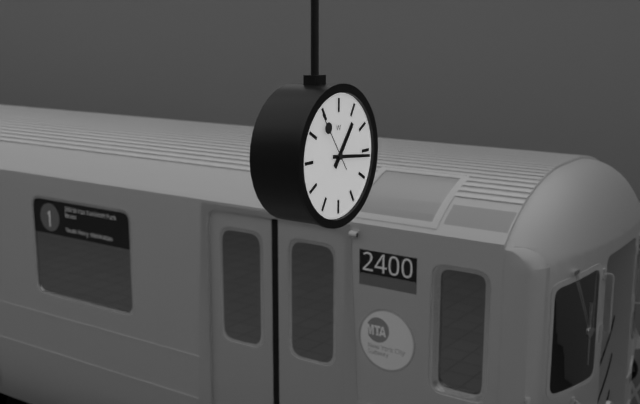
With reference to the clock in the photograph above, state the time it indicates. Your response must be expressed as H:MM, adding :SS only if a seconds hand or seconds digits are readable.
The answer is 1:16:54
